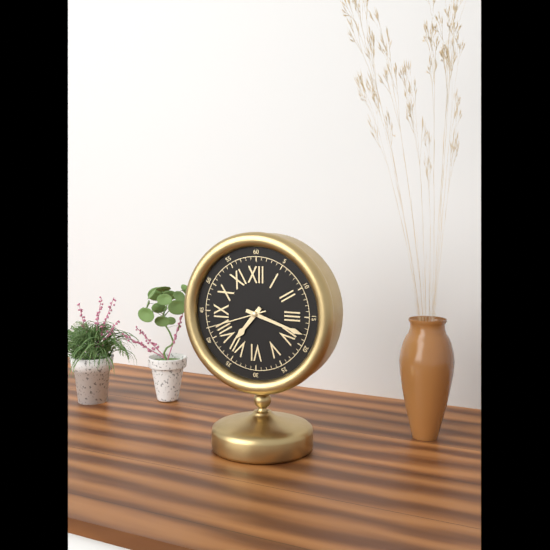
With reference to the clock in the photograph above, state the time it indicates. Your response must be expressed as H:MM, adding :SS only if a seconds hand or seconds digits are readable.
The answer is 7:18:42
